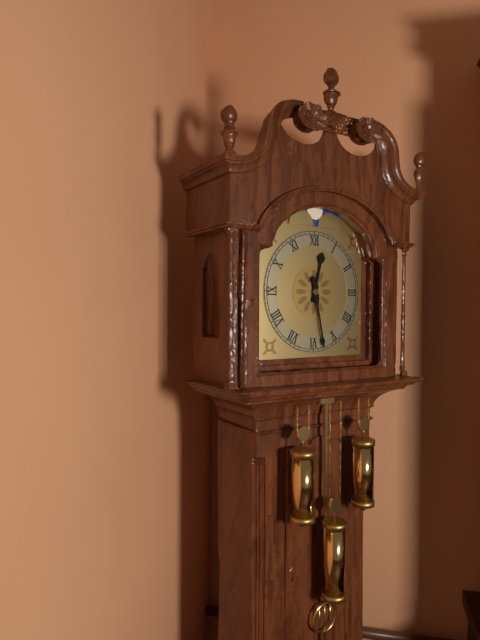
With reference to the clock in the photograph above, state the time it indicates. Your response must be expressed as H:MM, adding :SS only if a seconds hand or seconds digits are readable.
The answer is 12:28
